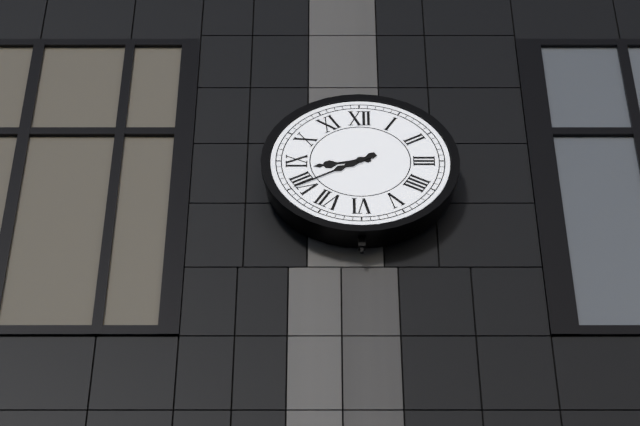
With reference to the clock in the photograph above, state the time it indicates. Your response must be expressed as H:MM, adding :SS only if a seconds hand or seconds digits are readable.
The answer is 8:40
